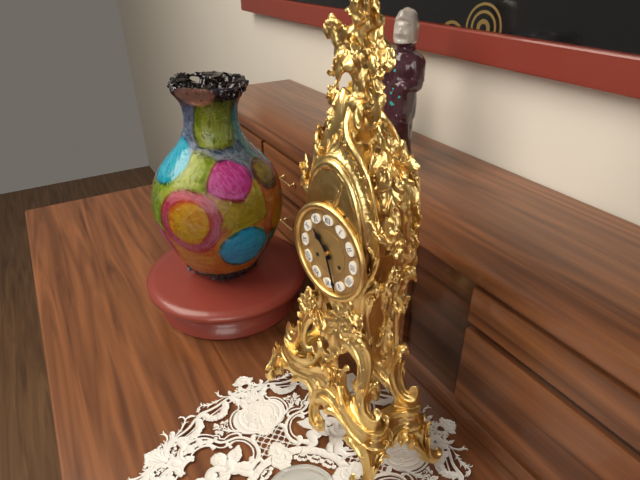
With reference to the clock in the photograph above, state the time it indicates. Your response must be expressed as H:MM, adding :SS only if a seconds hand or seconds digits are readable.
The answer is 10:27
